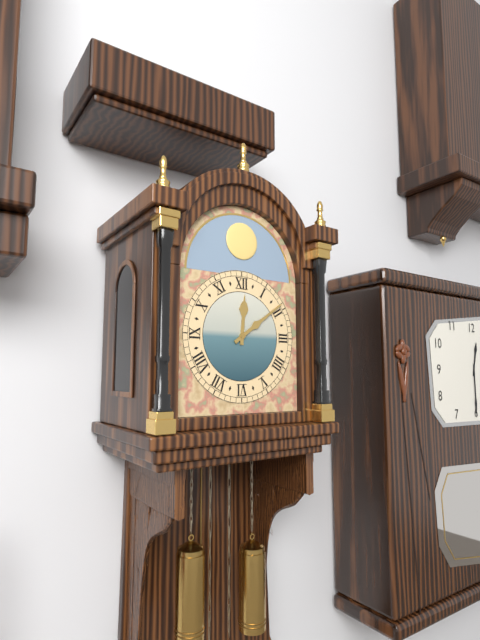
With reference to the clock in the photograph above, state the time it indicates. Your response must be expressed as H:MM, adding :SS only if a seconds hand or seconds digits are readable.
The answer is 12:09
